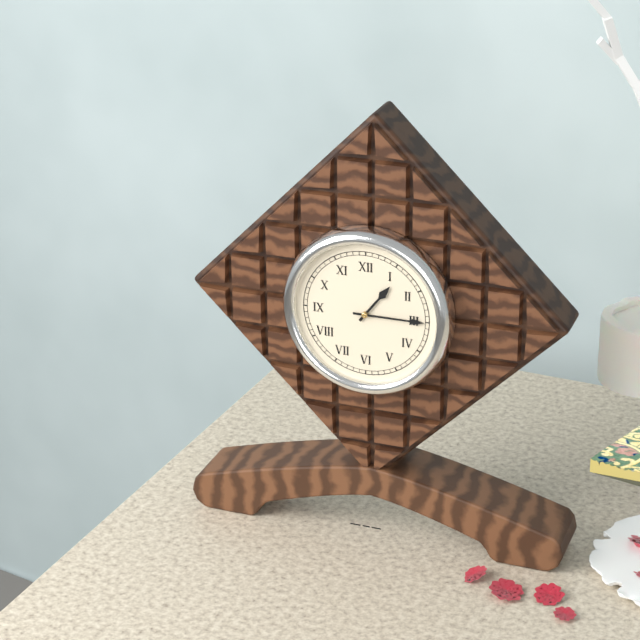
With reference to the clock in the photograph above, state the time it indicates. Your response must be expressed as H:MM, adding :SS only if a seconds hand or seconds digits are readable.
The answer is 1:15
